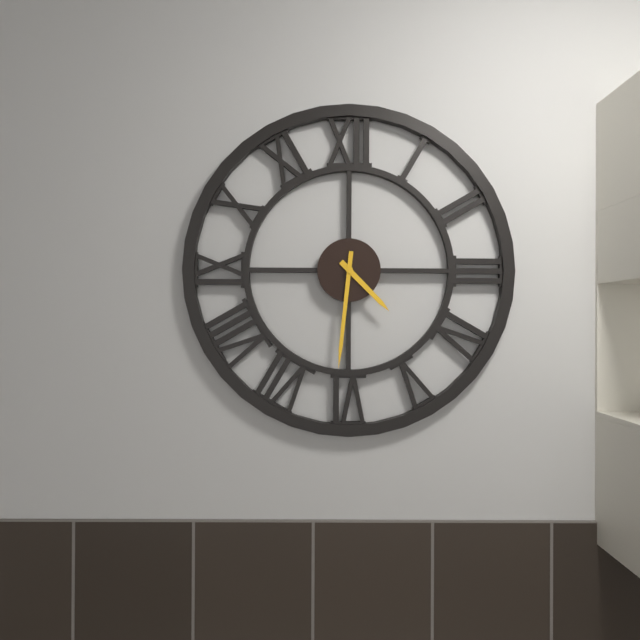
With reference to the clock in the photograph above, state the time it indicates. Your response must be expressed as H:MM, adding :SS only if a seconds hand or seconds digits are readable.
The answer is 4:31
